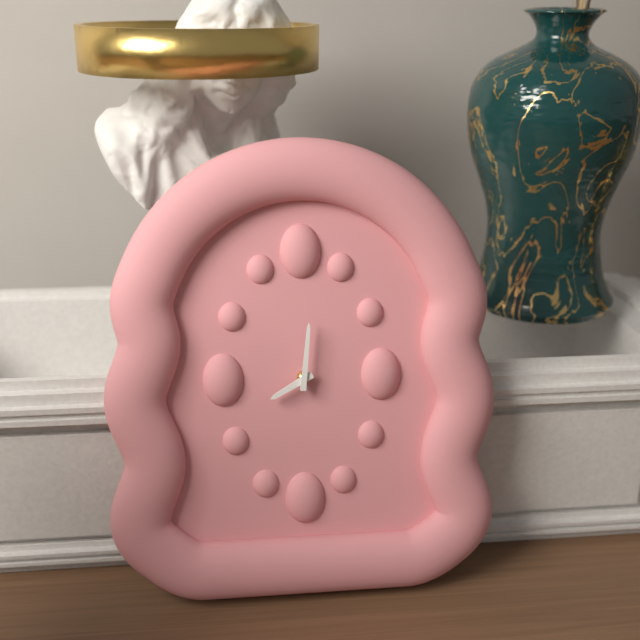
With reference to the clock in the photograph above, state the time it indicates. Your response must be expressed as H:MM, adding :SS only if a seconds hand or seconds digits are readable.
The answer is 8:01
